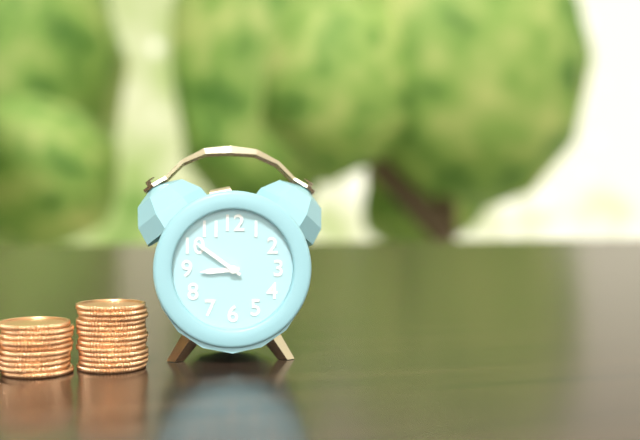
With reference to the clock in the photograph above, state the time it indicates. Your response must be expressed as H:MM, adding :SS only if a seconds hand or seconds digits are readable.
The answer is 8:51
